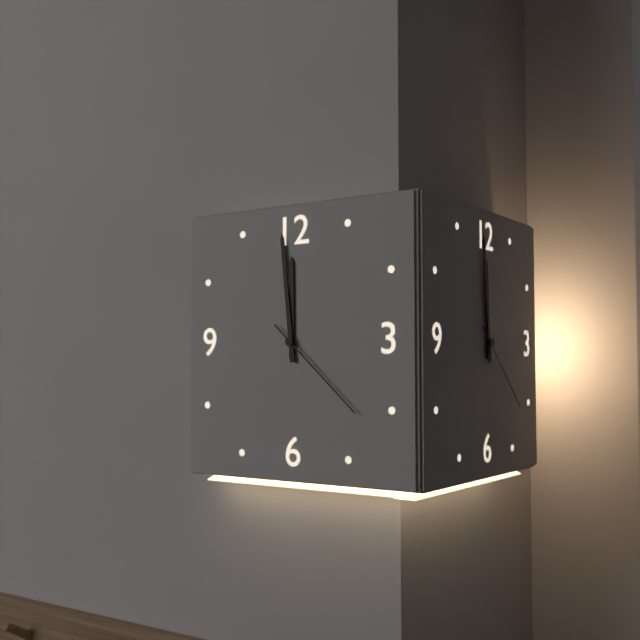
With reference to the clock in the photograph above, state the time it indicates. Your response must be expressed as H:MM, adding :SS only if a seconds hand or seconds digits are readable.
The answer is 11:59:22
